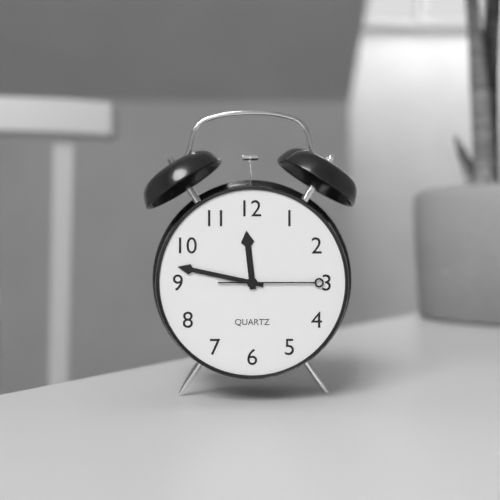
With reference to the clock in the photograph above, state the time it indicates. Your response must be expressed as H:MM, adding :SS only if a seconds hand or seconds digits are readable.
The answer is 11:47:15
